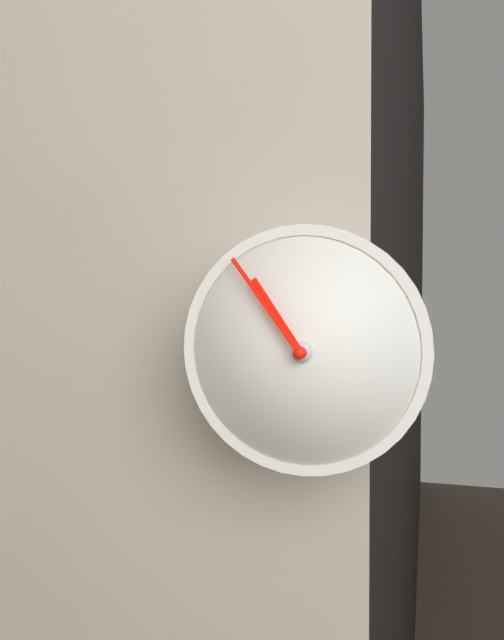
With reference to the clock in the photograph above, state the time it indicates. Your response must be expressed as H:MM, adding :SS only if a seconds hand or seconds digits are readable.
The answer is 10:54
